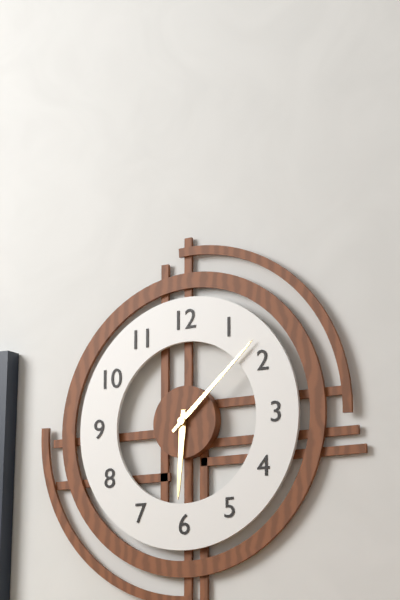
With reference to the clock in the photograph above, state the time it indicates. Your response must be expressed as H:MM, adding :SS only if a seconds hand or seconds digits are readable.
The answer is 6:08
